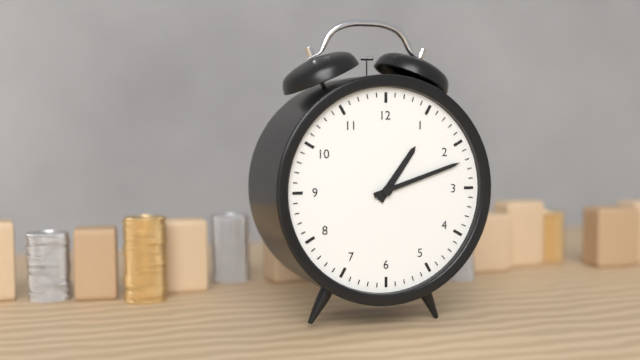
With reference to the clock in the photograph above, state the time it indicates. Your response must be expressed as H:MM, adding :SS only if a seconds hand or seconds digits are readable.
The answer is 1:12
